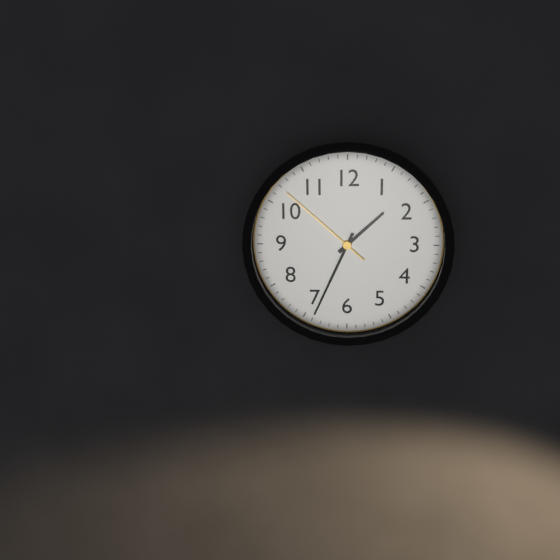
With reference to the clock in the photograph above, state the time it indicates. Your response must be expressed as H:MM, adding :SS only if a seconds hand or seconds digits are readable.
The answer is 1:34:52
